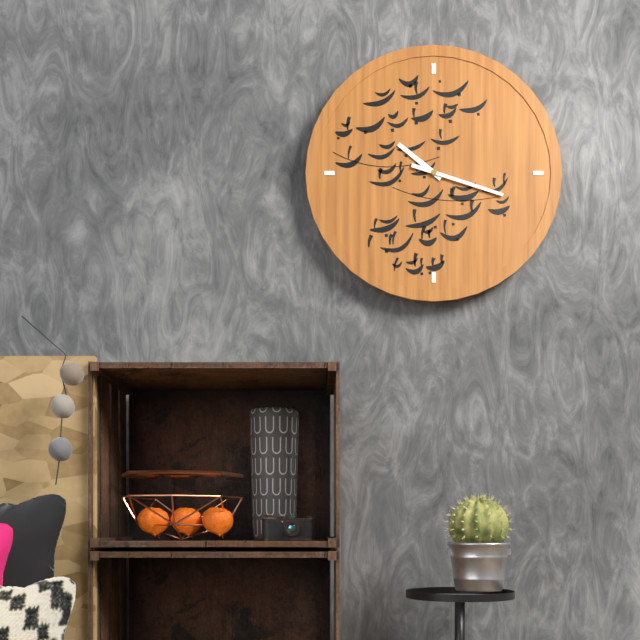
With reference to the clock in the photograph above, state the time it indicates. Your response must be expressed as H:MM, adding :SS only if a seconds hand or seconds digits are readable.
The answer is 10:18
